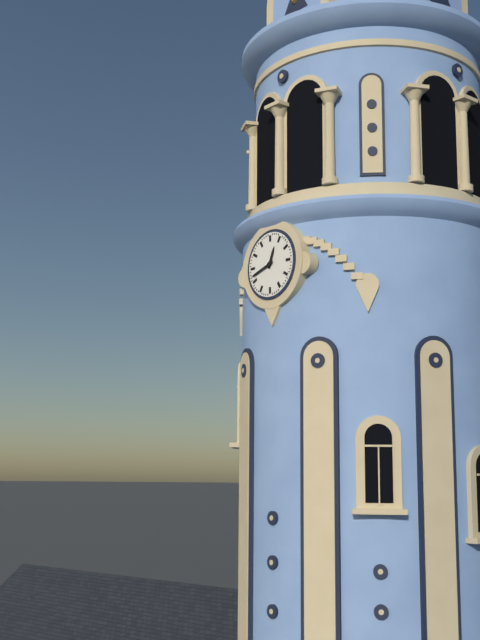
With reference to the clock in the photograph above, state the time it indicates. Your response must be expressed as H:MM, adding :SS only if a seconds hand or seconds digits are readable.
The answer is 12:42
